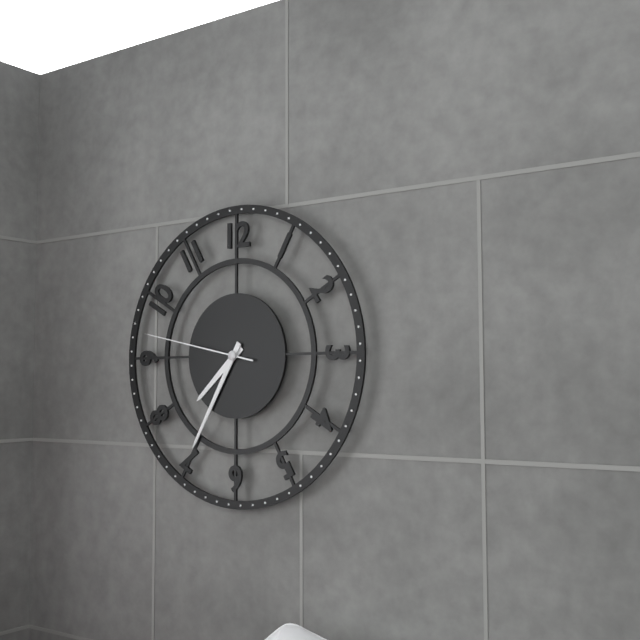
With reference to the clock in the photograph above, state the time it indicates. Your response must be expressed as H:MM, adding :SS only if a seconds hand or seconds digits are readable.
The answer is 7:35:47
